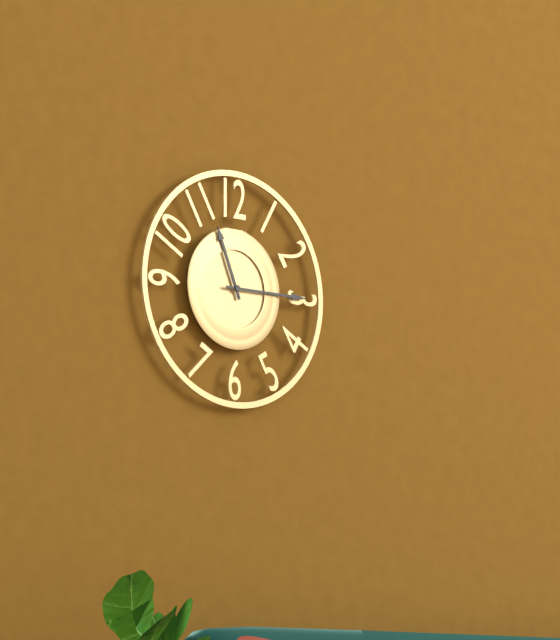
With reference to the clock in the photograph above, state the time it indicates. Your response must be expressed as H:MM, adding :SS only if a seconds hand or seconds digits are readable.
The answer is 11:15
